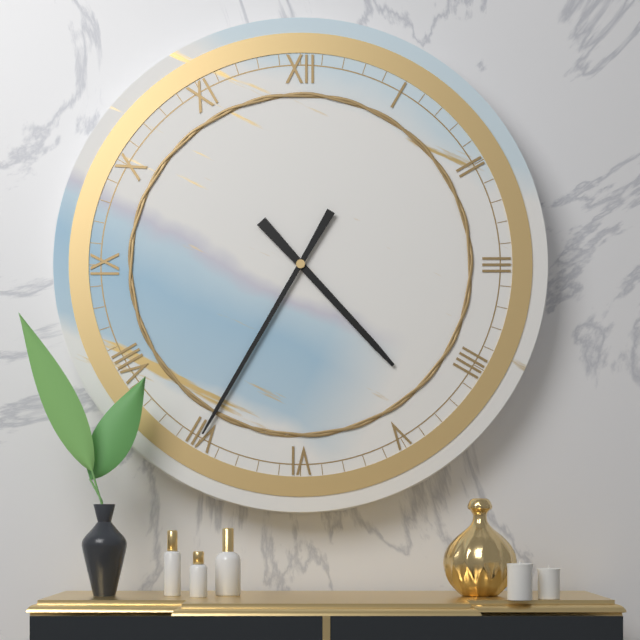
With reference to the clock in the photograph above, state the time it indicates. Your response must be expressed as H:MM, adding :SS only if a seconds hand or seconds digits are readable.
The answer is 4:35
